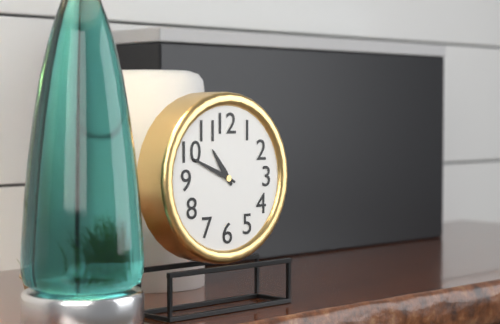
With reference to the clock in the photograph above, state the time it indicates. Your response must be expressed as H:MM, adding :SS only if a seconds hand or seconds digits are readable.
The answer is 10:49
